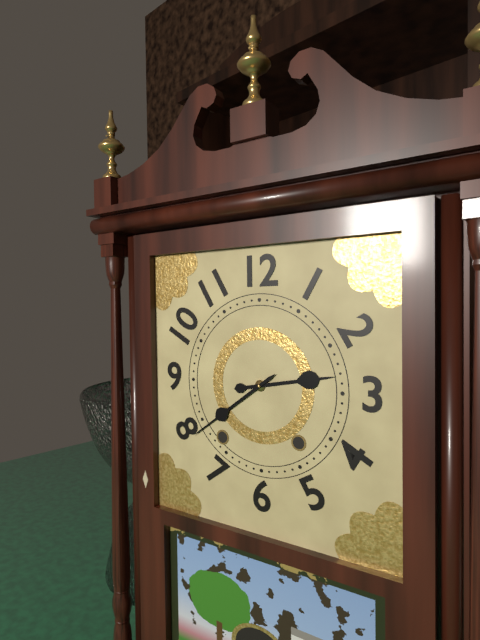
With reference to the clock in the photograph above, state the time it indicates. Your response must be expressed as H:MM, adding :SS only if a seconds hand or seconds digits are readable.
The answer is 2:39
